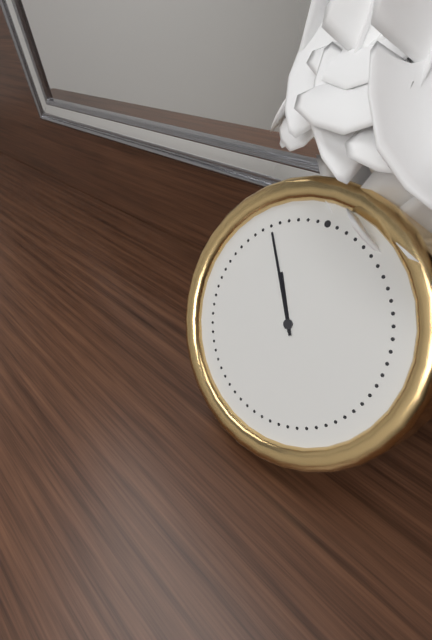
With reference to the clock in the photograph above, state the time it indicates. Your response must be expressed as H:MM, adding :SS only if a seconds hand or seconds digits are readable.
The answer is 10:54
